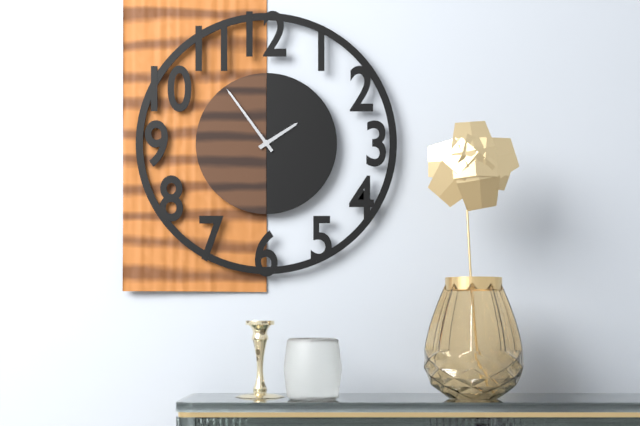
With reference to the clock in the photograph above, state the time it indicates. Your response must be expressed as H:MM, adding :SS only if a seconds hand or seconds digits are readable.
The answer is 1:54
